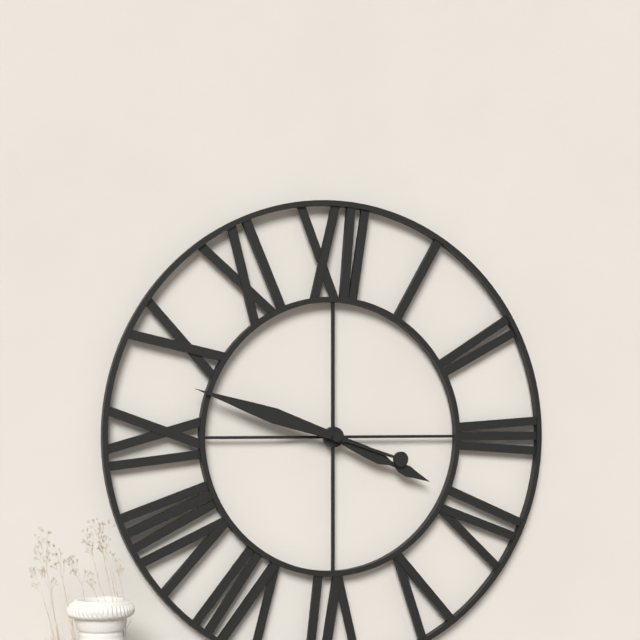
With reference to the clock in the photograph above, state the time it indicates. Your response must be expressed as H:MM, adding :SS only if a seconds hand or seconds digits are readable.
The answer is 3:48
